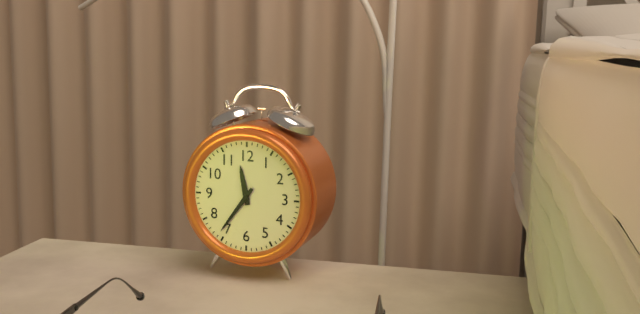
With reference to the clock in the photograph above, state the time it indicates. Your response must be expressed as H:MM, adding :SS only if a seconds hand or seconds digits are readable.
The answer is 11:36
